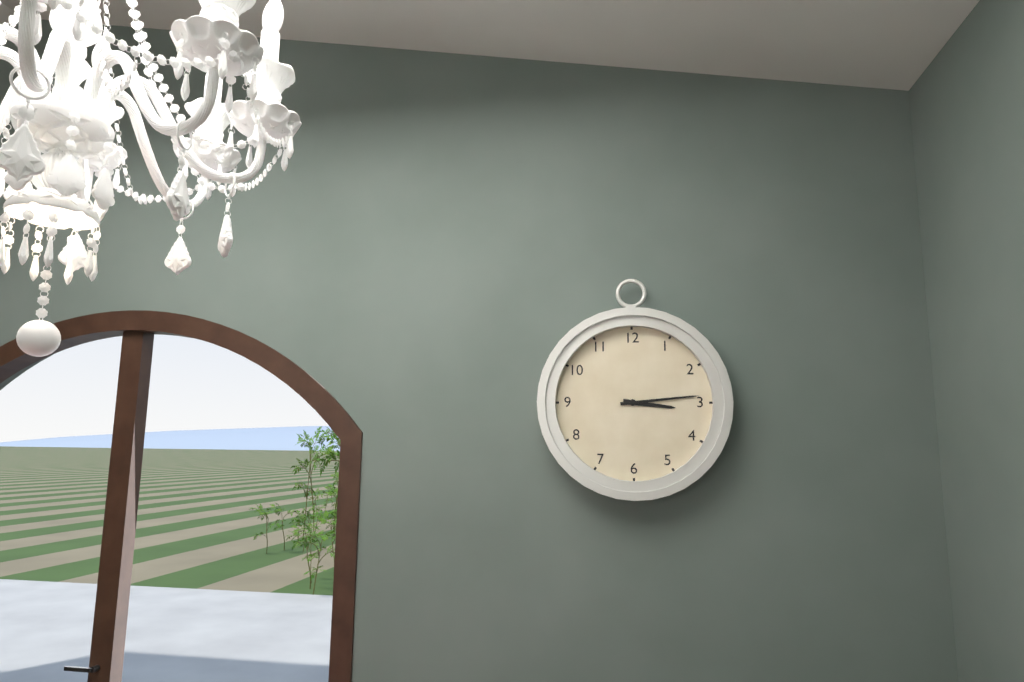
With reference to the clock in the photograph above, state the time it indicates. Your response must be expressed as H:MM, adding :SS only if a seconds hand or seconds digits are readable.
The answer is 3:14
